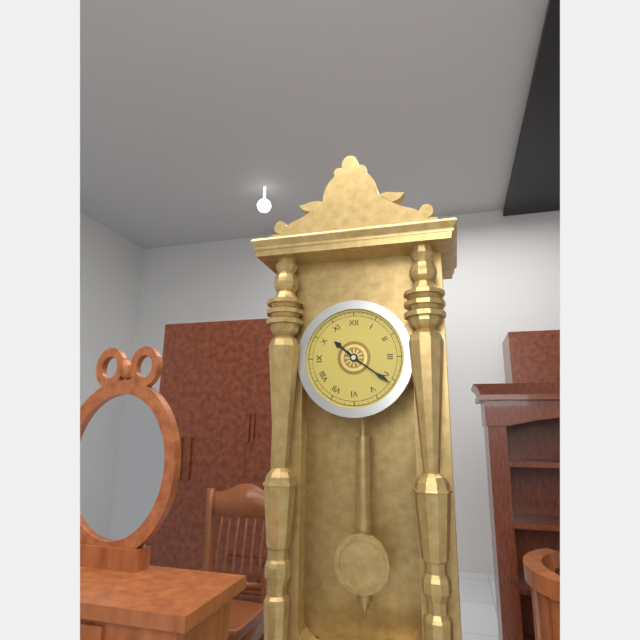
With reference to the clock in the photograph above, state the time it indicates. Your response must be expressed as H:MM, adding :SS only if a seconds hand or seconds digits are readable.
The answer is 10:21
